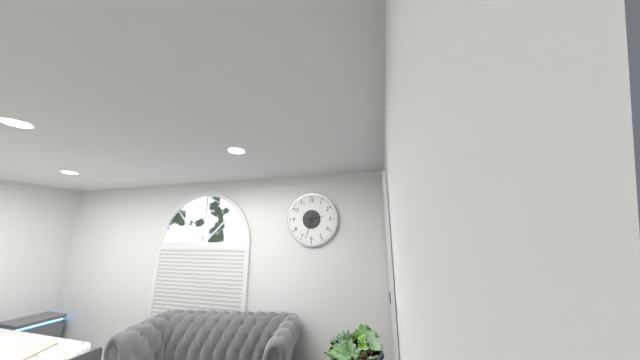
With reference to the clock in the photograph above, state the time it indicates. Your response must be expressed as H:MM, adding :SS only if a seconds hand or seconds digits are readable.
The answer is 2:33
